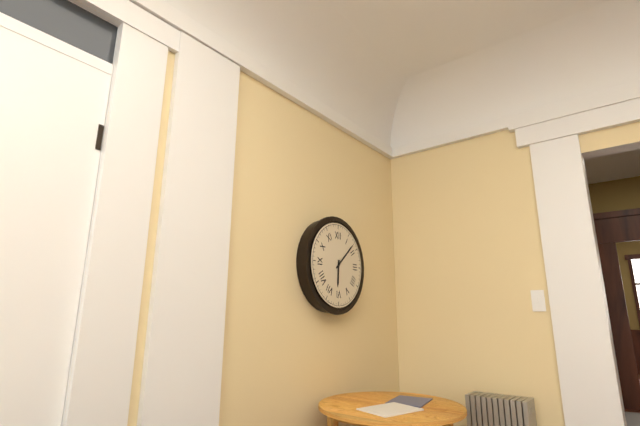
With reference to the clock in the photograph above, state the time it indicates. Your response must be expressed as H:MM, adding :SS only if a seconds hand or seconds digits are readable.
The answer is 6:08
